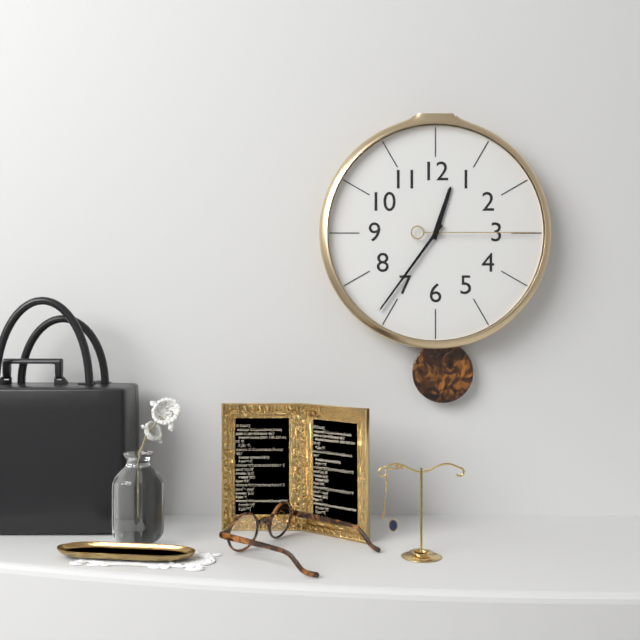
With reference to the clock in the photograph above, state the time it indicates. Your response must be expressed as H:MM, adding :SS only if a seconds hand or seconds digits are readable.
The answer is 12:36:15
